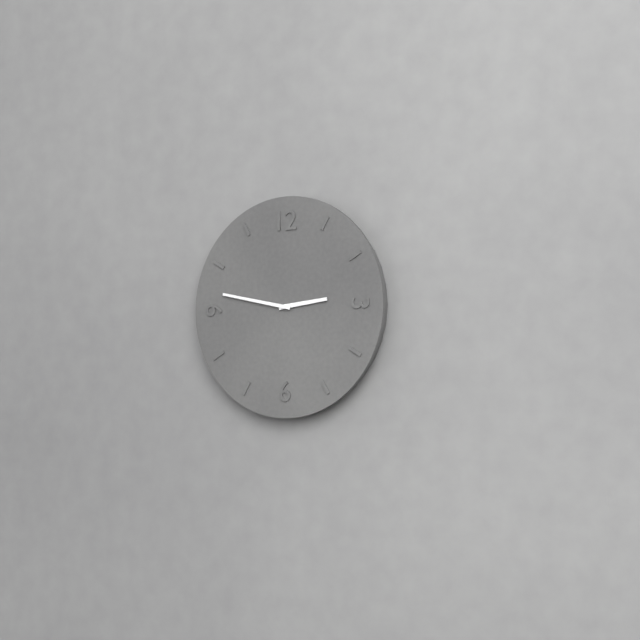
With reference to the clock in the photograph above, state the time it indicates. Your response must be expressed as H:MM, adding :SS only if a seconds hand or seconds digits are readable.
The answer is 2:47
